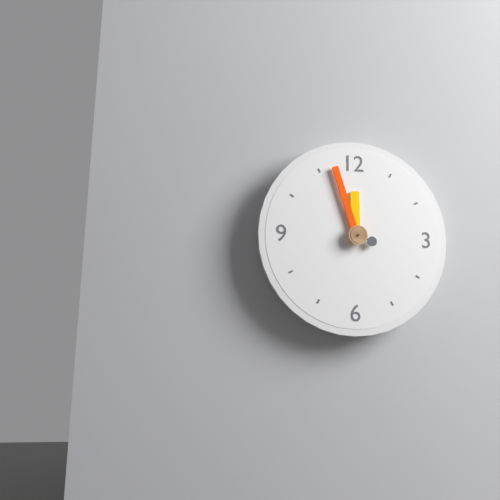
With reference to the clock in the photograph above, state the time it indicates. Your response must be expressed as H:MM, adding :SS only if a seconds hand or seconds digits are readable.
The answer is 11:57
